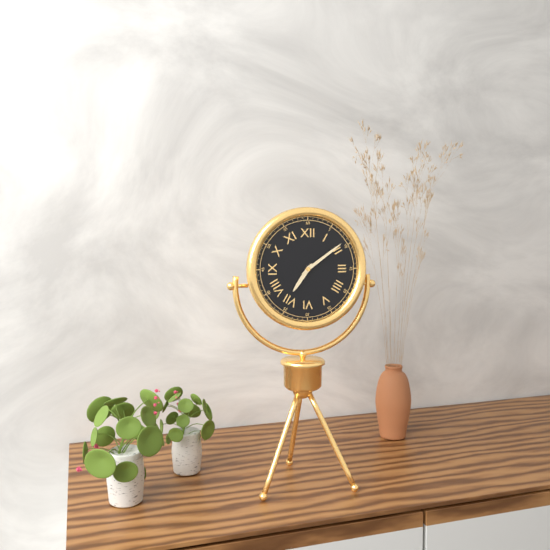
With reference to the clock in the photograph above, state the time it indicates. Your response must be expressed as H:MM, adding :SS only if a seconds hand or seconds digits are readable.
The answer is 7:09
